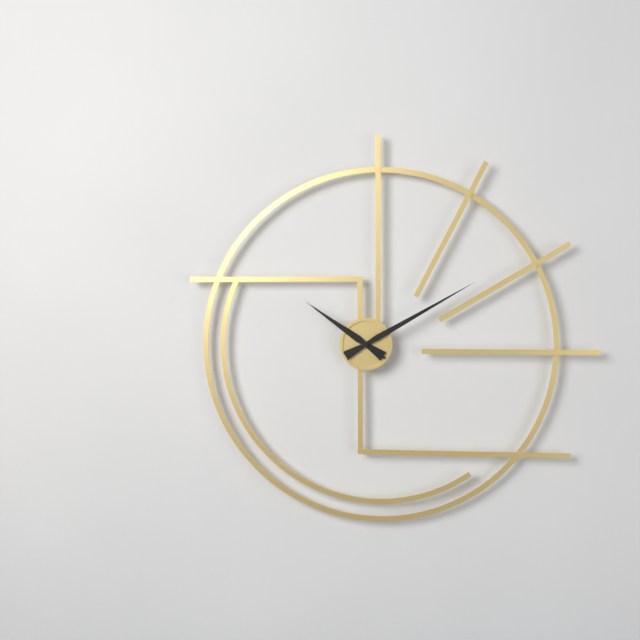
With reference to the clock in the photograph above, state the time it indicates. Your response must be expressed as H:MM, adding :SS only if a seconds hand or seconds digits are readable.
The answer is 10:10:51
